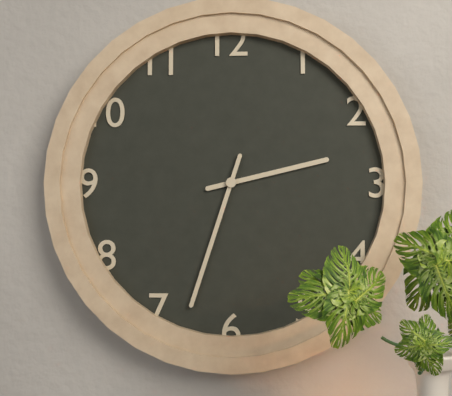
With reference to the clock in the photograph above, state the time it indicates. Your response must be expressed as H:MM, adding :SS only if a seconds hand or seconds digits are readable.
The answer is 2:33
